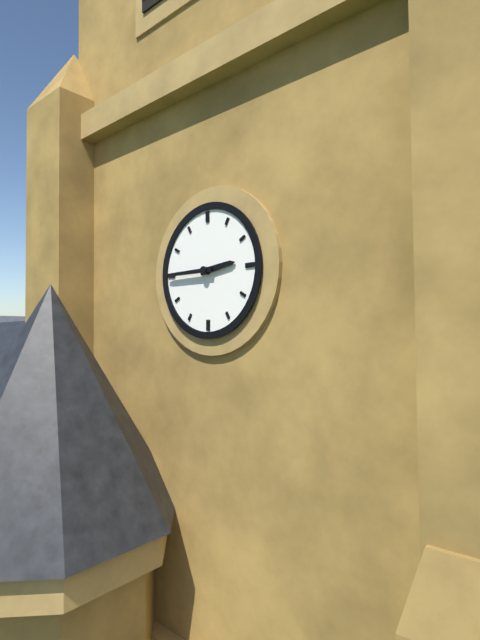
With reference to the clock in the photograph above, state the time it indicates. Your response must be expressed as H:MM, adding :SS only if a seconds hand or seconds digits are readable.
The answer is 2:45
